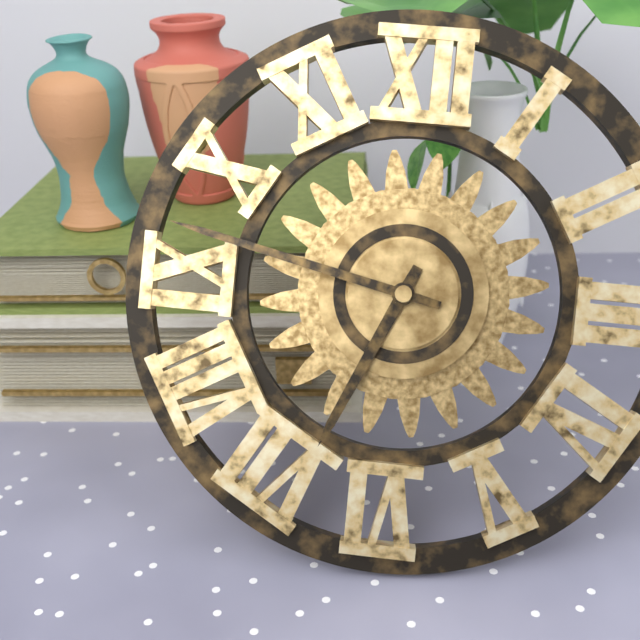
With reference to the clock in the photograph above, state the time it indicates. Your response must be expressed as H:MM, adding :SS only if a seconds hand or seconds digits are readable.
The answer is 6:47
